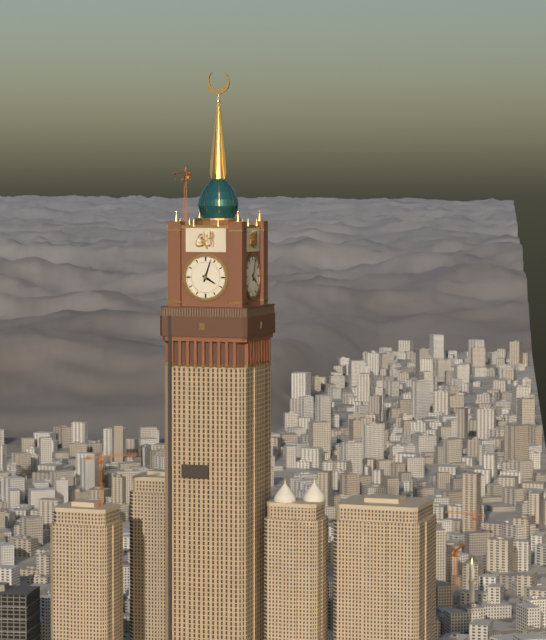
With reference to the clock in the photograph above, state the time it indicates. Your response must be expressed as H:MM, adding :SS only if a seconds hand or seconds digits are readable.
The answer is 4:03
